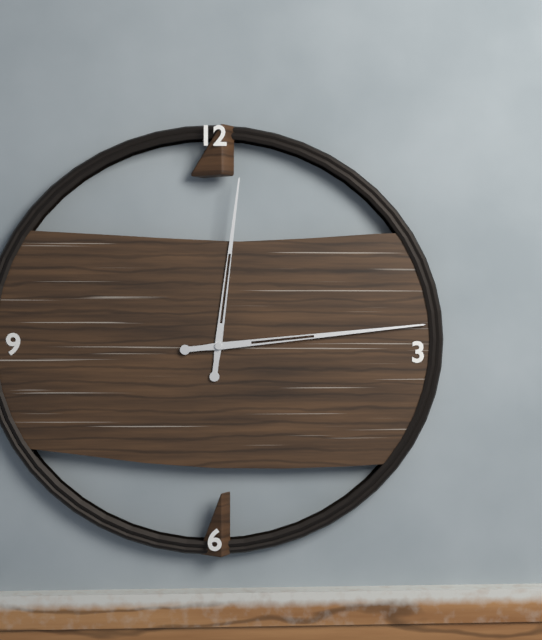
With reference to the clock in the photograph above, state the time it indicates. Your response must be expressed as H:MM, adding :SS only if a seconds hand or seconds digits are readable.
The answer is 12:14
